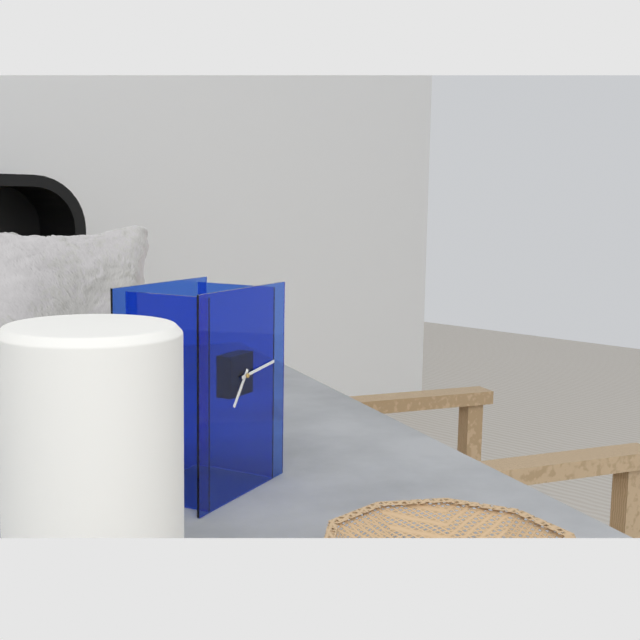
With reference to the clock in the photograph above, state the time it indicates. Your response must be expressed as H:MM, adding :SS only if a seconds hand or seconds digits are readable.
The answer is 7:14
